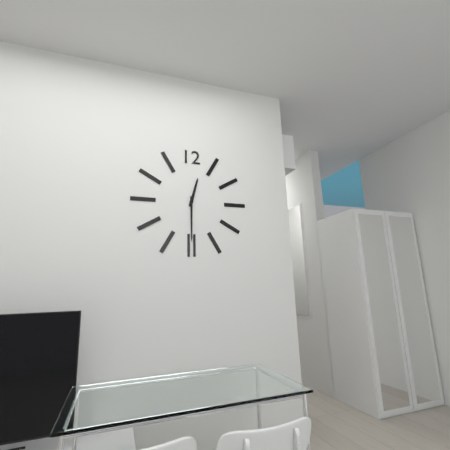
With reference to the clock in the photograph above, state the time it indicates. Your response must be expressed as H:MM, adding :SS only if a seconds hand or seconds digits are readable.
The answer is 12:30
